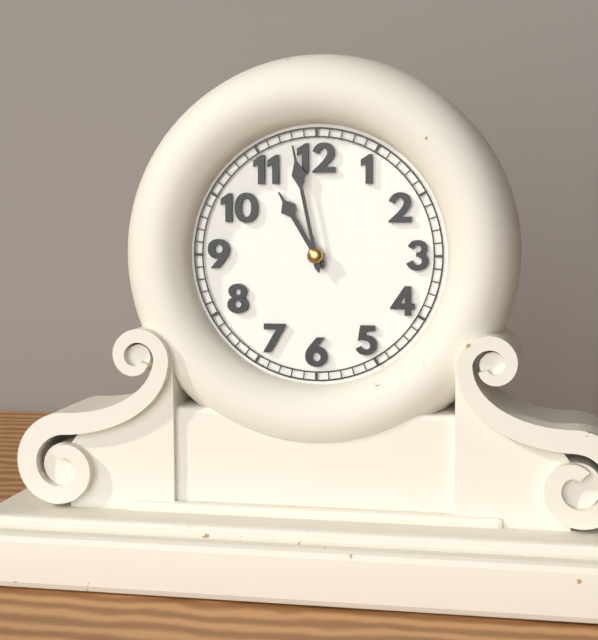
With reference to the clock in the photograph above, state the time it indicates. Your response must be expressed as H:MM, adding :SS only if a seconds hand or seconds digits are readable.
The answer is 10:58
